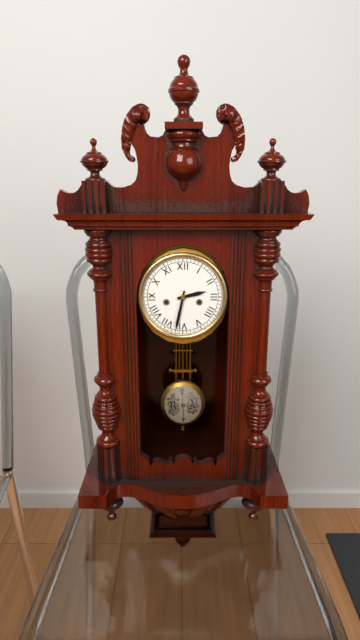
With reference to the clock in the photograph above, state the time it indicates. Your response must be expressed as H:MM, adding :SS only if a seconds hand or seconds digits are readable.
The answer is 2:32
